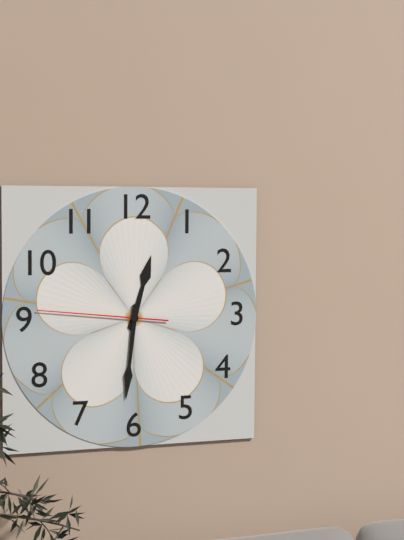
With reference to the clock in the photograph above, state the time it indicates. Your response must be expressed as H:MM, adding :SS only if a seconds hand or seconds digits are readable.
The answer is 12:31:46
